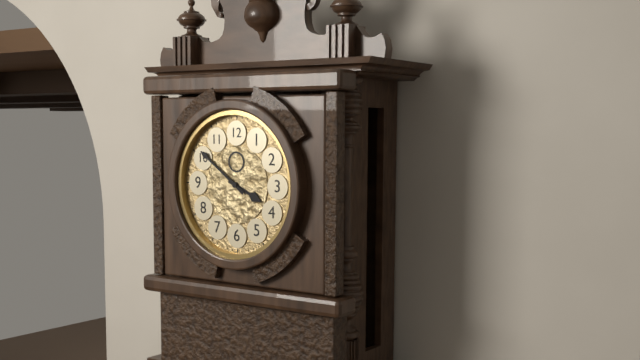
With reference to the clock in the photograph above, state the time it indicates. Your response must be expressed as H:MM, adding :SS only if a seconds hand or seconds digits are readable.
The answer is 3:51
